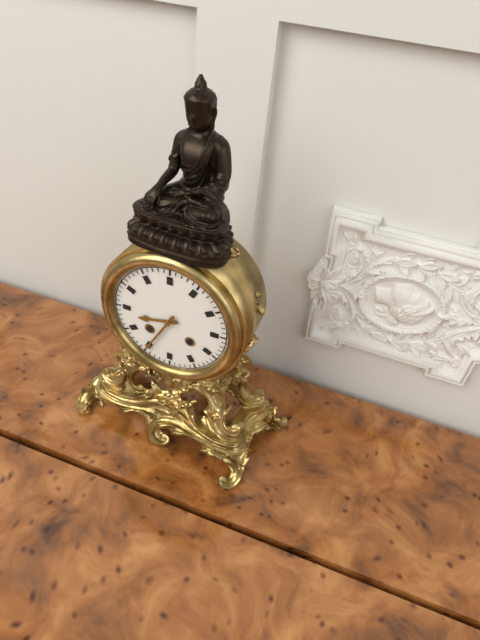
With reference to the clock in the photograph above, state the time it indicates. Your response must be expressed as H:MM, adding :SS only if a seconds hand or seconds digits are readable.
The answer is 8:35
